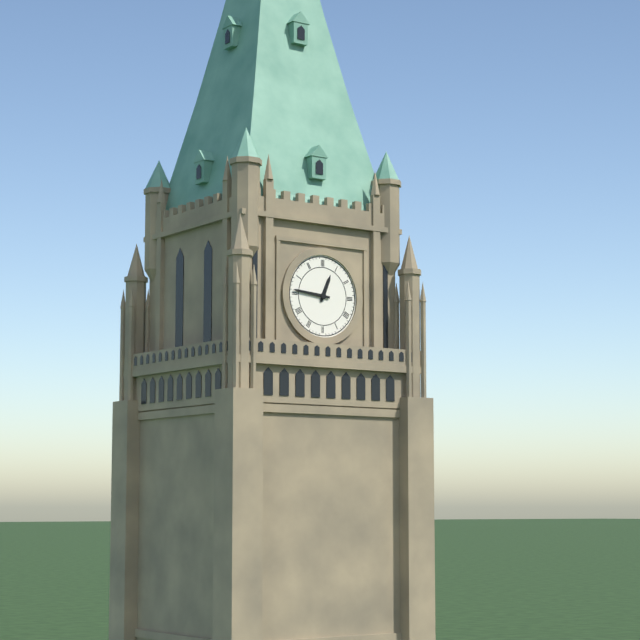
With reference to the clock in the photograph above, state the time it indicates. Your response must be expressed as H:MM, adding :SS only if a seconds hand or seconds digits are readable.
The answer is 12:46
